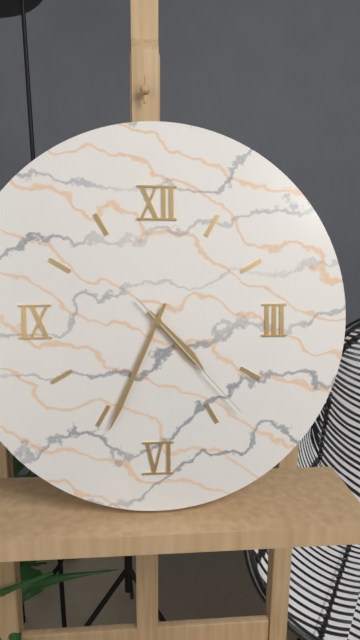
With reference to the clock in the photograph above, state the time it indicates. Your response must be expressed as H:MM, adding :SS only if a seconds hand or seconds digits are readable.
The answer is 4:34:23
